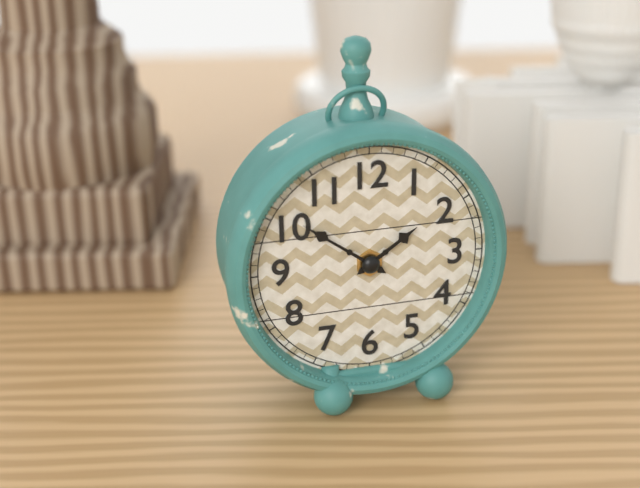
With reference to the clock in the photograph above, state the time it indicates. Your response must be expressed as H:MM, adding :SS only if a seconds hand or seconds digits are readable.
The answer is 1:51
